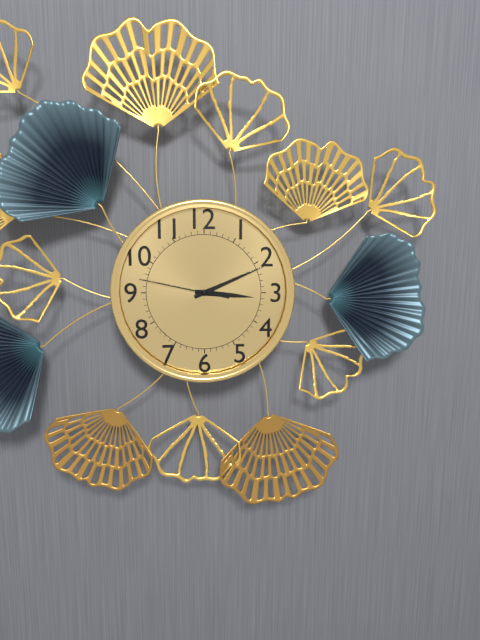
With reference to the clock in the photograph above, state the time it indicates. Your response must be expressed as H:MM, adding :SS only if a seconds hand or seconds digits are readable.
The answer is 3:11:47
